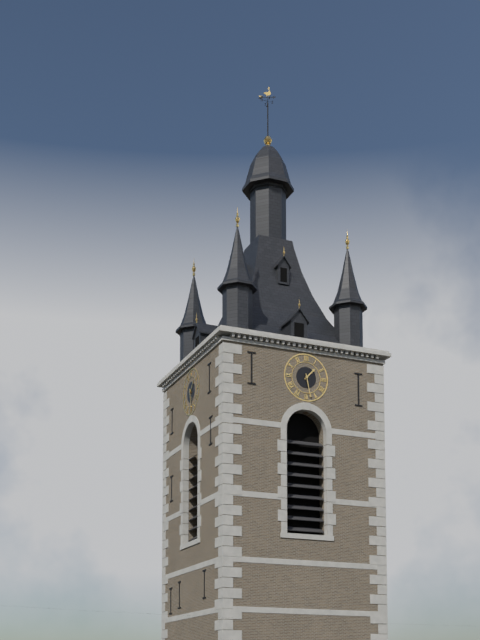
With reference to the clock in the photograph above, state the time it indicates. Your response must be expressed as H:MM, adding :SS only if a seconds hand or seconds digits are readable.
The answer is 1:28
